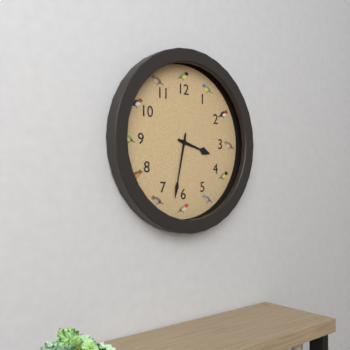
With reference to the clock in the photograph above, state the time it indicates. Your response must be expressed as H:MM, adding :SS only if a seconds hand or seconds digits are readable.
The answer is 3:32
